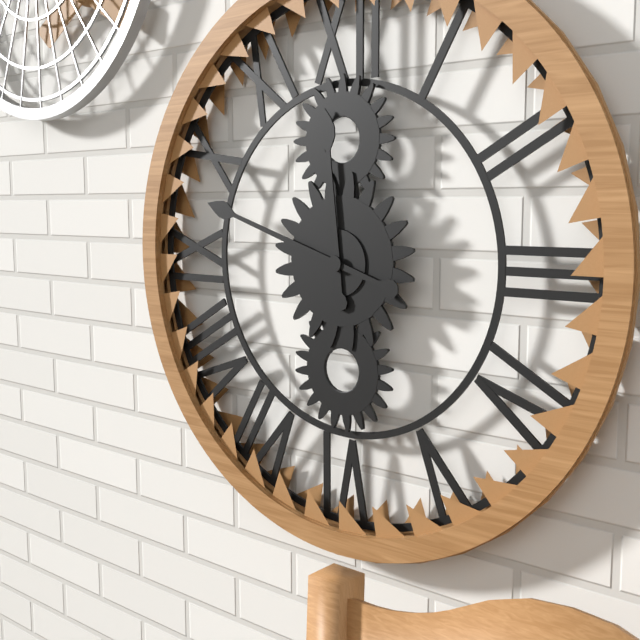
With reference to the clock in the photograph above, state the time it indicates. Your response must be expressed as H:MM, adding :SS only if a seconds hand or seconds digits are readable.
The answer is 11:48
